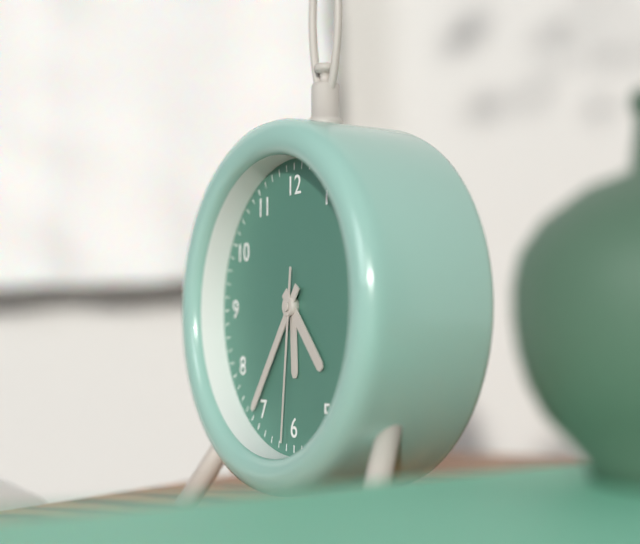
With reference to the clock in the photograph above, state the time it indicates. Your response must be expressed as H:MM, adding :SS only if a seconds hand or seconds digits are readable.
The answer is 4:36:31
